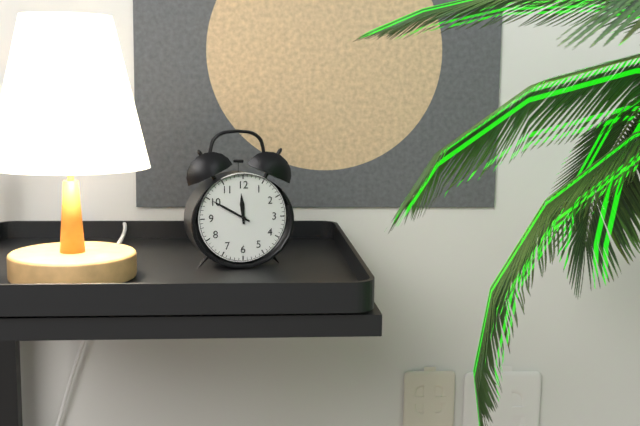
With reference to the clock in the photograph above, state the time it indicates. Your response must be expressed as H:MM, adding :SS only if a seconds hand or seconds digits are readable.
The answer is 11:50
